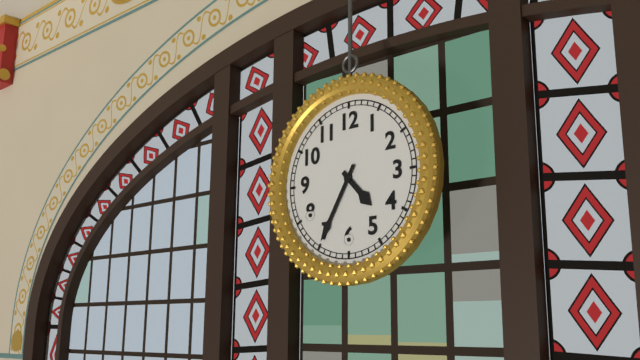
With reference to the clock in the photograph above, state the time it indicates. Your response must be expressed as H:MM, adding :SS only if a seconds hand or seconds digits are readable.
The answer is 4:35
